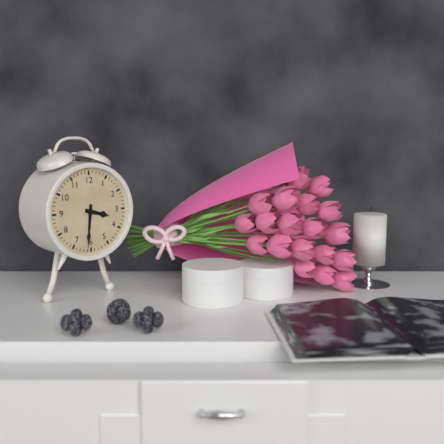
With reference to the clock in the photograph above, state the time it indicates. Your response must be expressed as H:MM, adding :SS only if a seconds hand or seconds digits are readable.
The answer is 3:31
